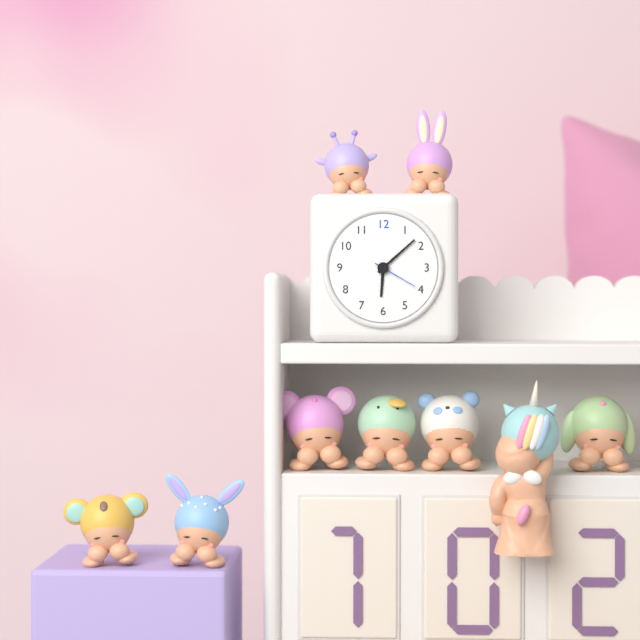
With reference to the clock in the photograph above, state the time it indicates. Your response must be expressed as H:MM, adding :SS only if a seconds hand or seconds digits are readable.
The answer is 6:08
